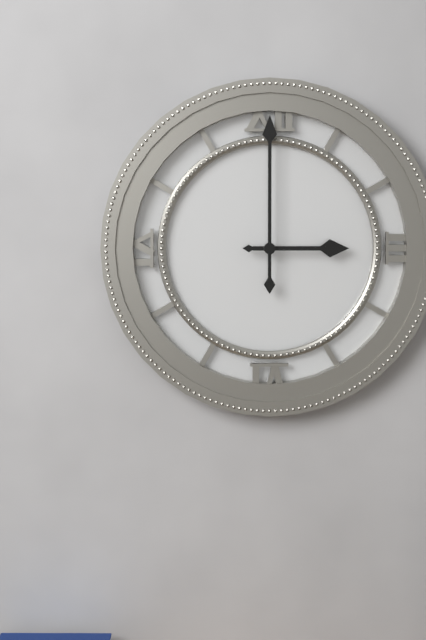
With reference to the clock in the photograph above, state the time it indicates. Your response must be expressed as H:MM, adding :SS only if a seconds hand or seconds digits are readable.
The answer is 3:00
